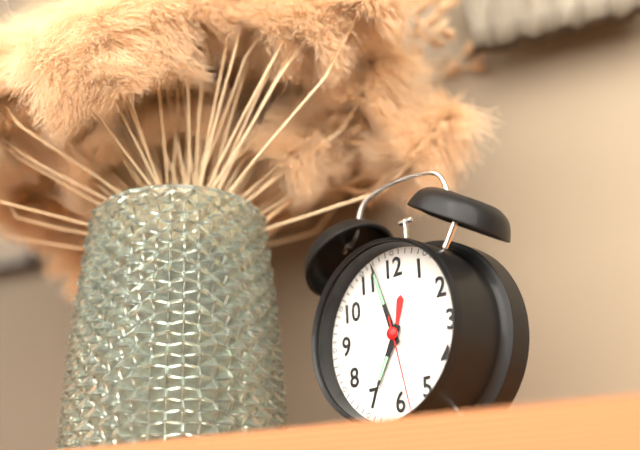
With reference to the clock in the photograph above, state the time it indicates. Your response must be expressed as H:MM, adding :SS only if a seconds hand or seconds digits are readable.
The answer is 6:57:28
